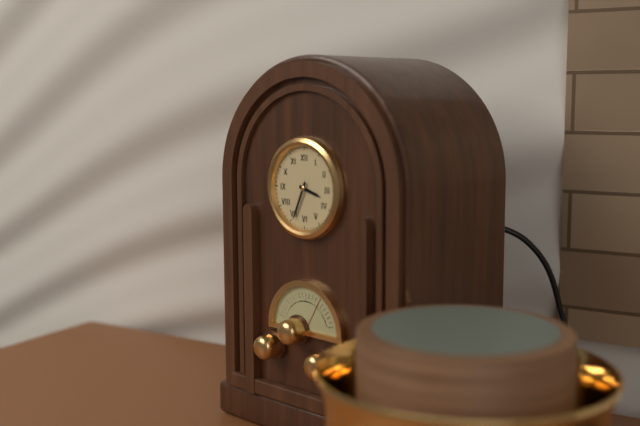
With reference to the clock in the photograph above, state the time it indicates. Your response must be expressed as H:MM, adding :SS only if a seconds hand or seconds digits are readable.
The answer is 3:34
